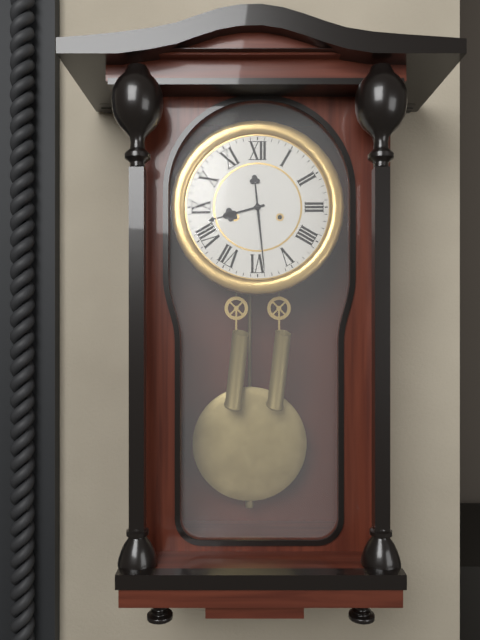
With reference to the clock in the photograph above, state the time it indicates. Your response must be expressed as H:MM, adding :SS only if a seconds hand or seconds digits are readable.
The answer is 8:29
